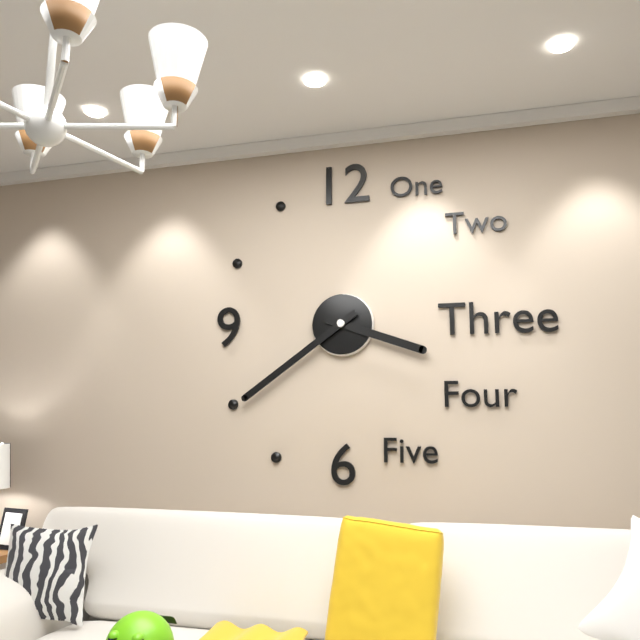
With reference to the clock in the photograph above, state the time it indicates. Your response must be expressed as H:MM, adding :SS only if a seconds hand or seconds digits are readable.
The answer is 3:39
